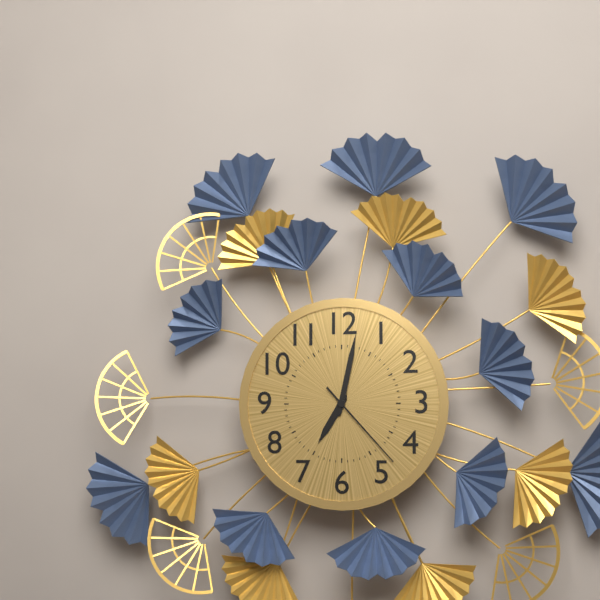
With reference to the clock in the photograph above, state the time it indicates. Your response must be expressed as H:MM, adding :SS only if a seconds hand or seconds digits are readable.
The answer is 7:02:23
